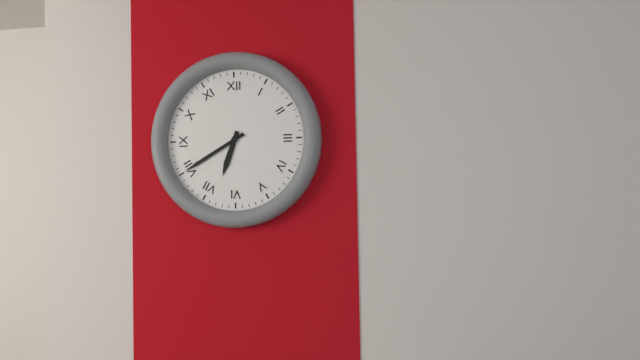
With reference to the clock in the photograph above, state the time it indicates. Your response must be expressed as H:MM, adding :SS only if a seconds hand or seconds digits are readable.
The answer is 6:40
